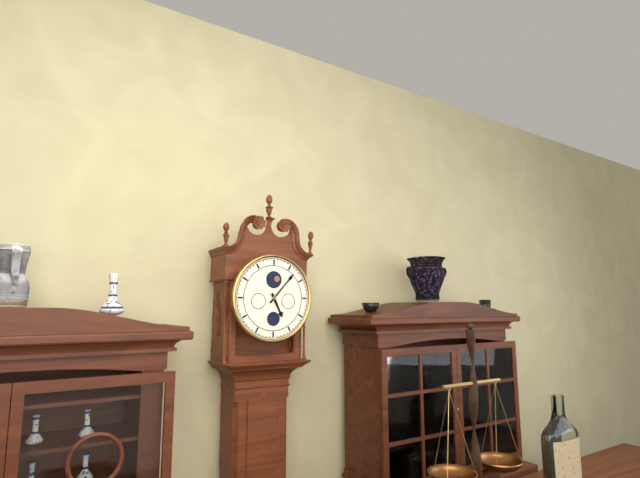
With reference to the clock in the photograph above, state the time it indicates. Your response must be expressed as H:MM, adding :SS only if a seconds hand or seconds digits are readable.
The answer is 5:07
